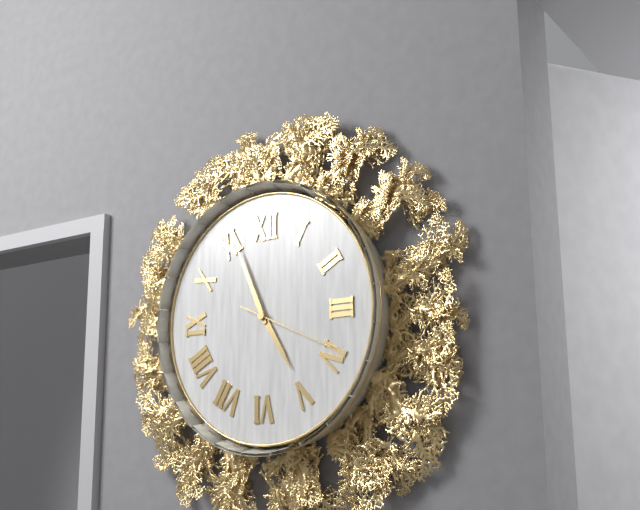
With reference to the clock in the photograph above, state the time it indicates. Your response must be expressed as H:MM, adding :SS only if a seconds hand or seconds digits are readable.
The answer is 4:56:19
